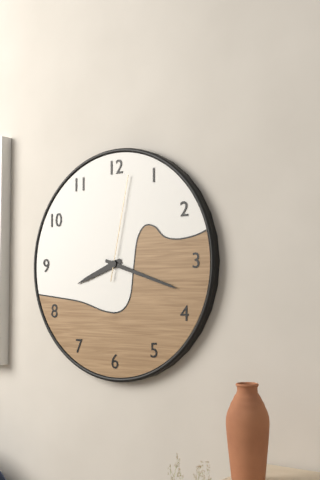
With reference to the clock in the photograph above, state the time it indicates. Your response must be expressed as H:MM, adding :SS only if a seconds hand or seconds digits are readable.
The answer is 8:18:02
